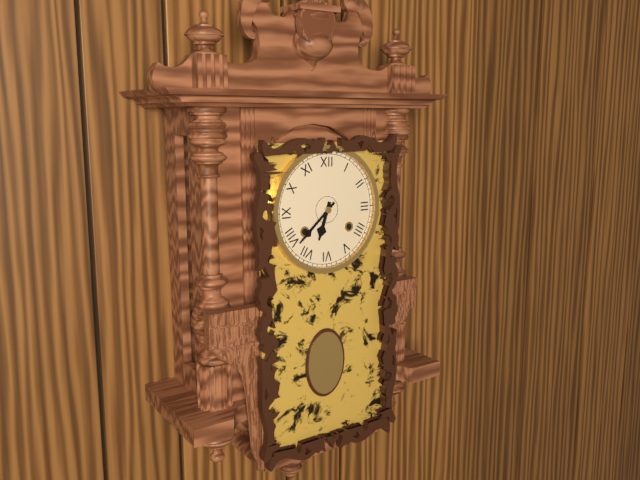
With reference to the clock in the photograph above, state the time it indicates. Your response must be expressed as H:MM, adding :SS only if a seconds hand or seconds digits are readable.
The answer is 6:38
